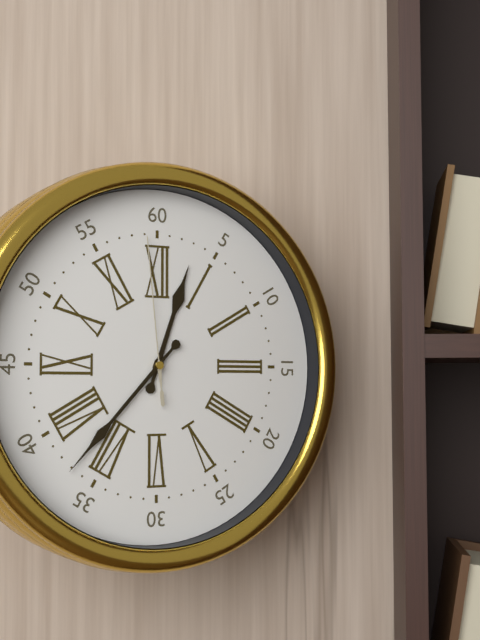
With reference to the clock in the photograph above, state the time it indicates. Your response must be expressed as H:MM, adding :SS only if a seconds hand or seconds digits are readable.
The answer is 12:37:59
